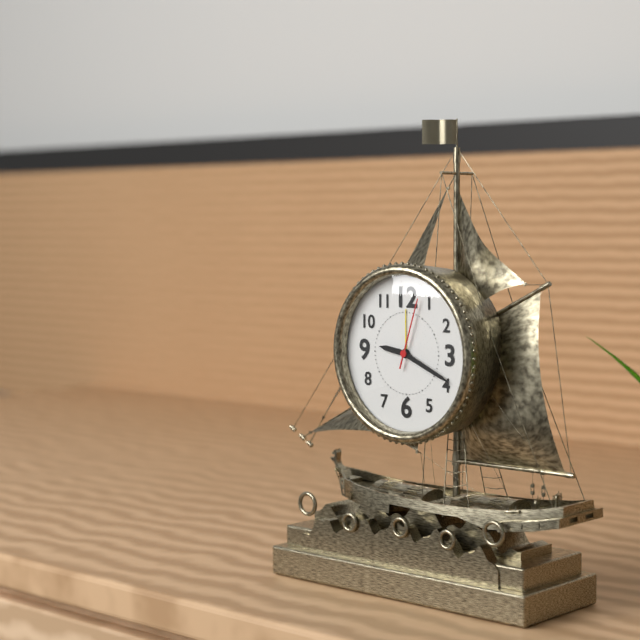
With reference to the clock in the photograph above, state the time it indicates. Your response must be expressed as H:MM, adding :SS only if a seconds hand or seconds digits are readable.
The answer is 9:19:03
